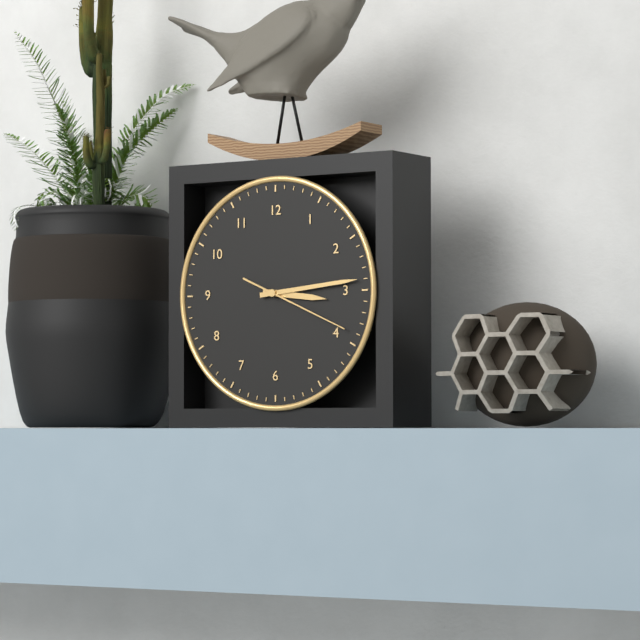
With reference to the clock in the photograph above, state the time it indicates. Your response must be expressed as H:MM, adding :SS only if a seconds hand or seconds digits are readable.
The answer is 3:14:19
